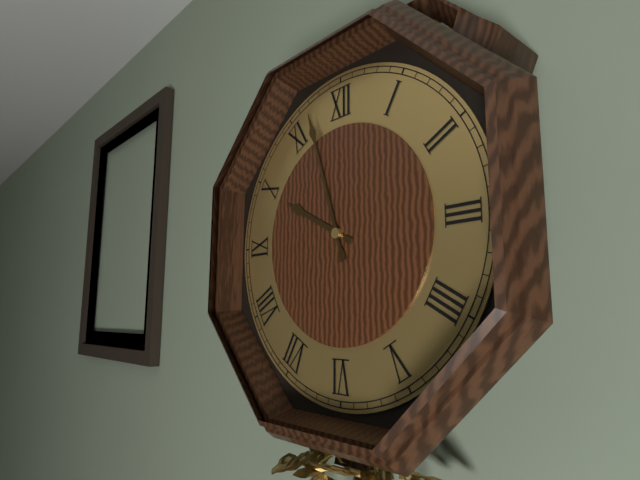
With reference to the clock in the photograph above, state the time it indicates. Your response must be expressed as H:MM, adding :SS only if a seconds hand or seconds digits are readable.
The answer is 9:57
